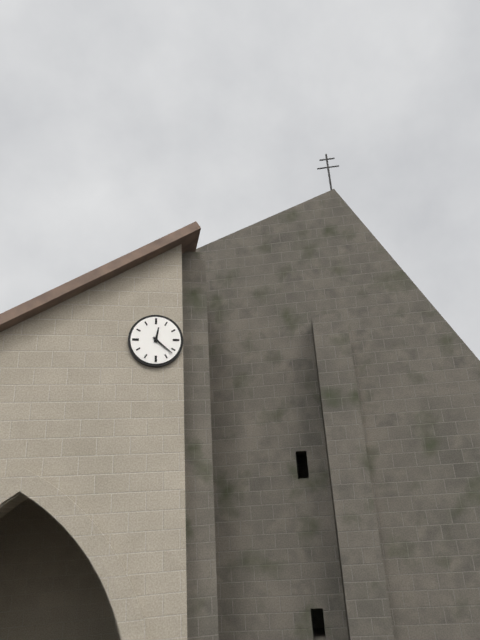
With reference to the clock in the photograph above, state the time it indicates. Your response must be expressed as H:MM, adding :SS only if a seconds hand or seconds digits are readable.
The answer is 12:22
